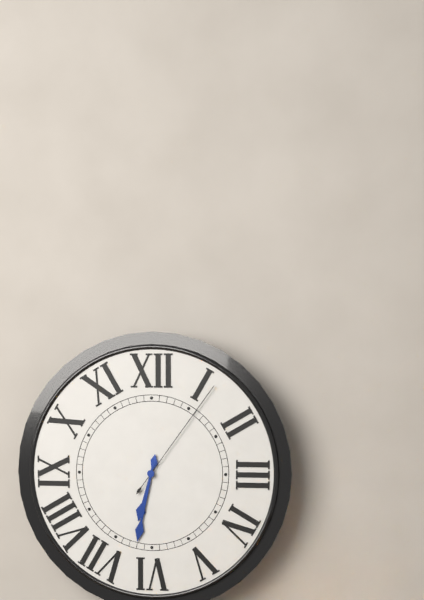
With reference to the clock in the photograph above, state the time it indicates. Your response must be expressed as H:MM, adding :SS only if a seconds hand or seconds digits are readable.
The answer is 6:32:06
